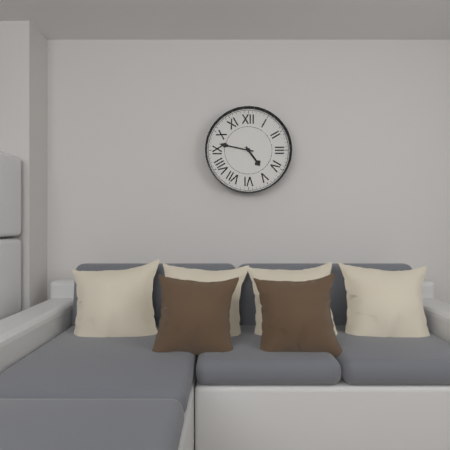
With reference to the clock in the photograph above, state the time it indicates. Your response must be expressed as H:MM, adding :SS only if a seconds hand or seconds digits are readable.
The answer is 4:47
